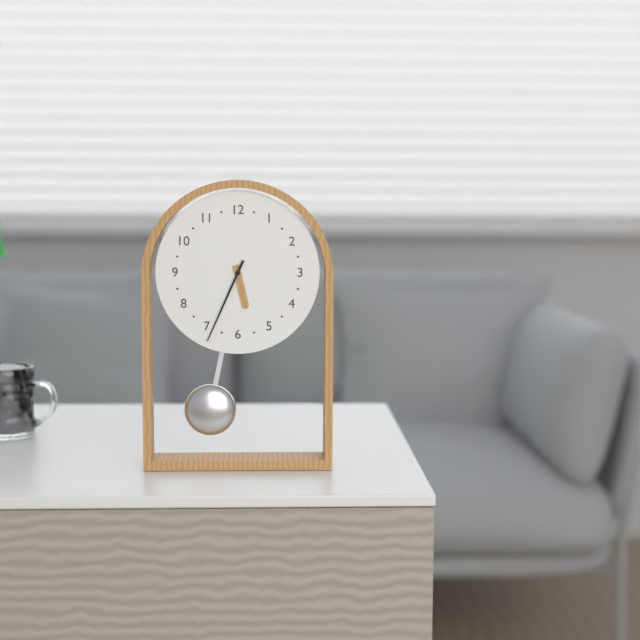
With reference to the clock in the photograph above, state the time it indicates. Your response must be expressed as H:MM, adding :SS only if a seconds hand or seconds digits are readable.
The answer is 5:34
